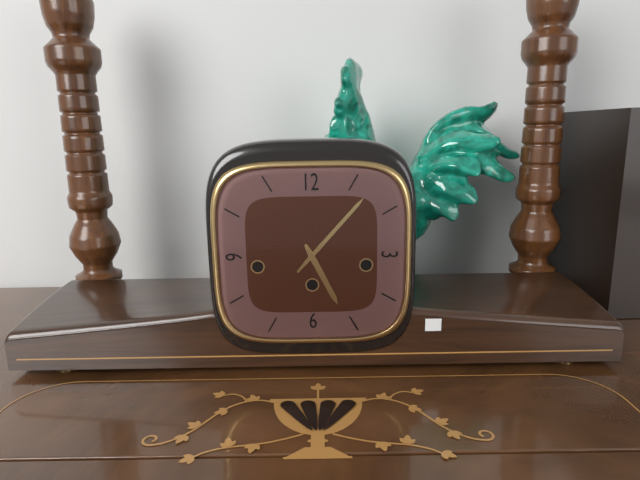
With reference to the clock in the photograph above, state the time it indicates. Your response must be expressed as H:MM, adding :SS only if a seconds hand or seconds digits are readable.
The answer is 5:07
